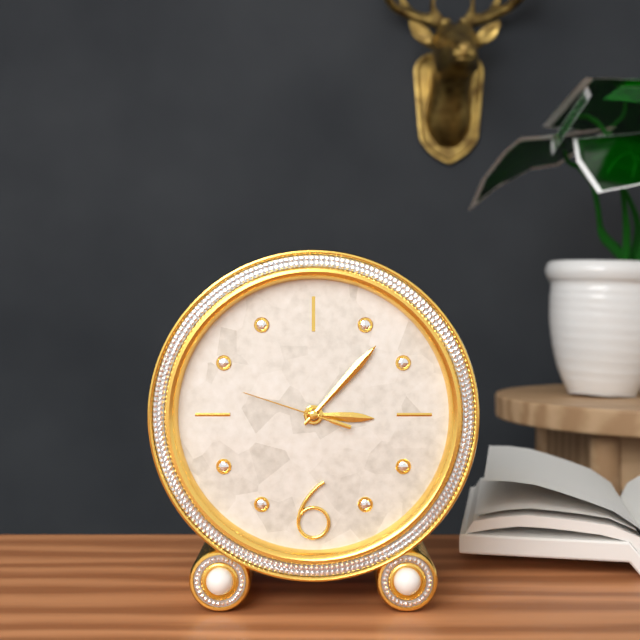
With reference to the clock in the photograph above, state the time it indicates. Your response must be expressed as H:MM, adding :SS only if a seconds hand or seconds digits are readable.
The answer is 3:07:48
